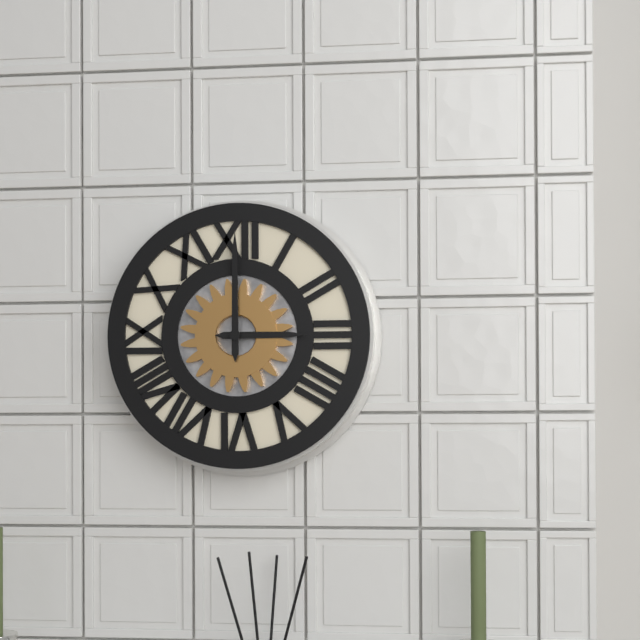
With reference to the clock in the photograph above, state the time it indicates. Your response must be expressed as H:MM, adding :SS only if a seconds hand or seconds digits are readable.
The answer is 3:00
